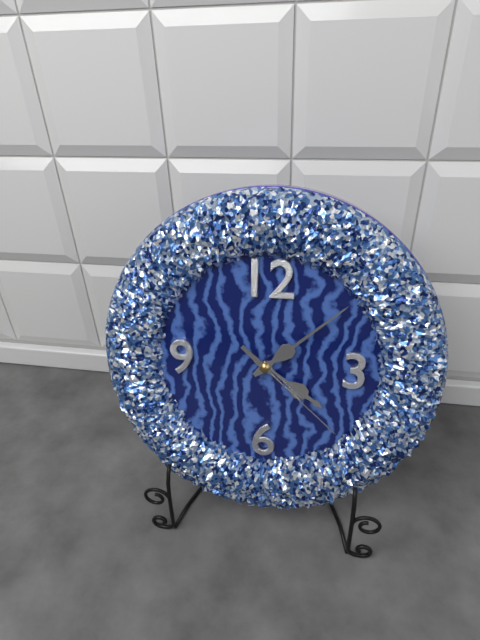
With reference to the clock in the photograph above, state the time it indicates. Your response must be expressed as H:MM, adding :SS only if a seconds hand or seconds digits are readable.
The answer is 4:08:22
